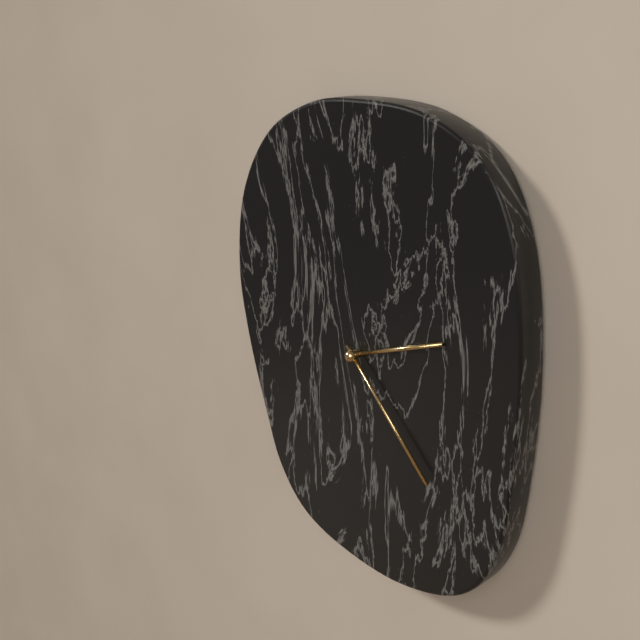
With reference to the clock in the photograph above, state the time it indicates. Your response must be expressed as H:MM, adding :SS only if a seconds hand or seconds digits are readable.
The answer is 2:23
